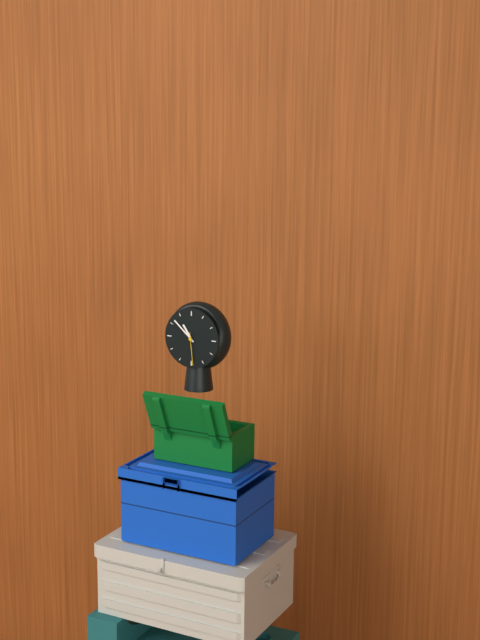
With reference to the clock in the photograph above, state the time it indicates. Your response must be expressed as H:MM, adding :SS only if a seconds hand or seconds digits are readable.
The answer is 10:52
